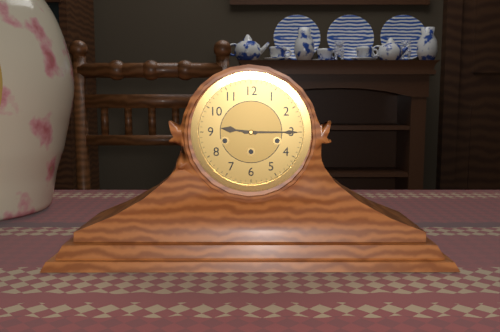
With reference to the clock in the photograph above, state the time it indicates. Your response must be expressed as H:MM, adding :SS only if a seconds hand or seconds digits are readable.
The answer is 9:15
